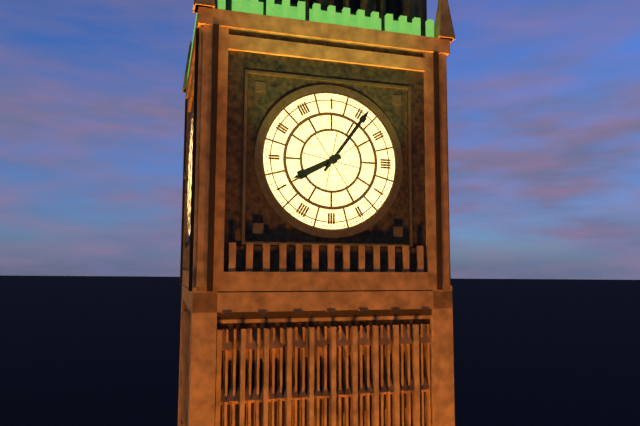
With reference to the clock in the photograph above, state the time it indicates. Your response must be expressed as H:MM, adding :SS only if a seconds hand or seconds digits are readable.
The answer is 8:06
